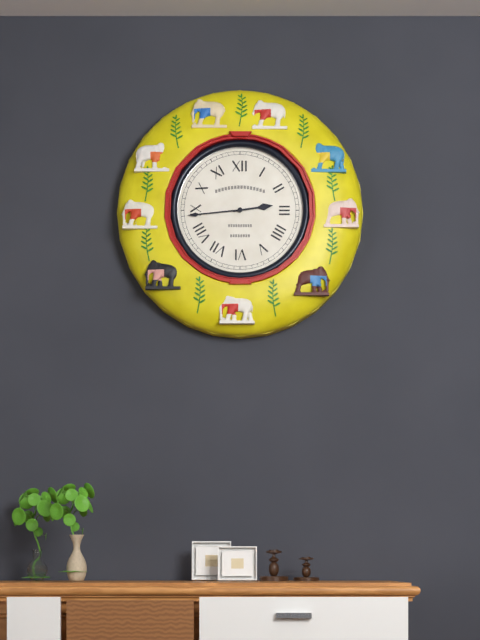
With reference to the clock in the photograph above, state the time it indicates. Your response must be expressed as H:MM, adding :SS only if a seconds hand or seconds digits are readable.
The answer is 2:44
